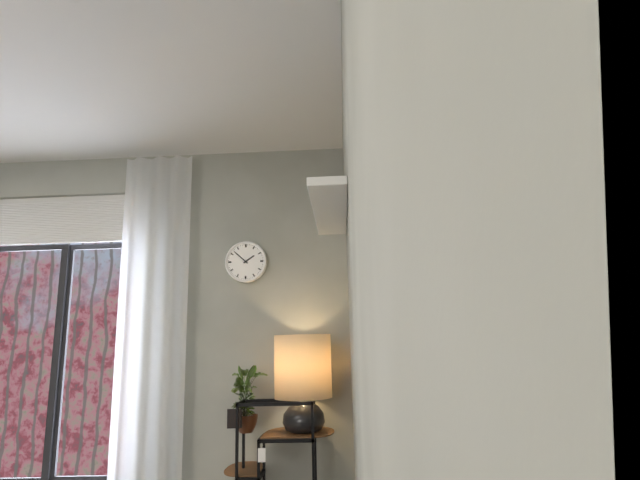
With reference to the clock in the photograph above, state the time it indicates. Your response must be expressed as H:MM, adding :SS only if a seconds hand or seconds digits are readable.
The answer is 1:52
